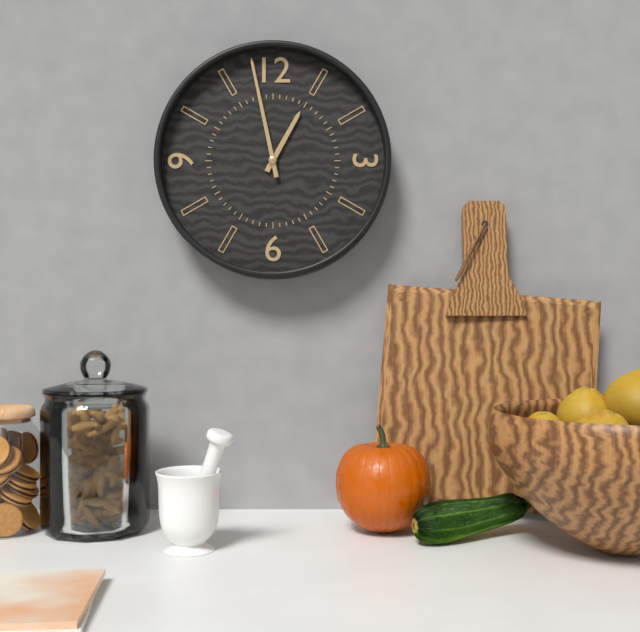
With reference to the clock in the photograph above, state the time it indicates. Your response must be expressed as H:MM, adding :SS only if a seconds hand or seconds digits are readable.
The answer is 12:58
